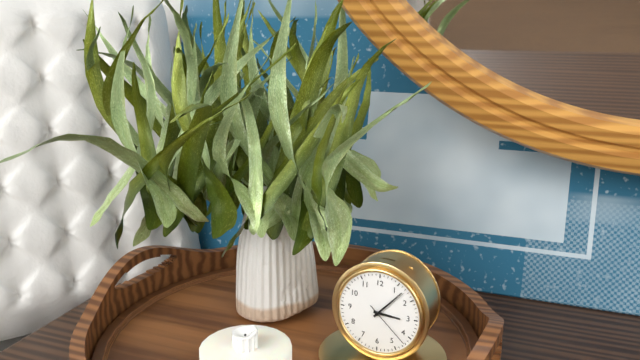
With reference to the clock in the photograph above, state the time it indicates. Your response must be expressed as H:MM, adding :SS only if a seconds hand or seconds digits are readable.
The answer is 3:07
